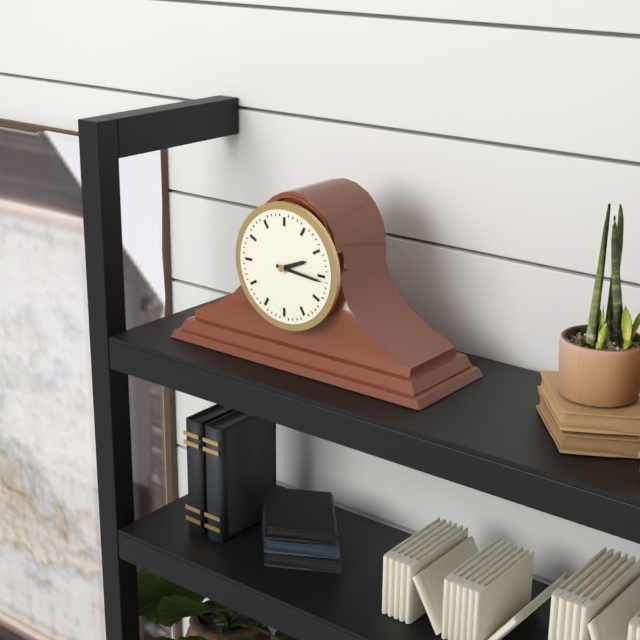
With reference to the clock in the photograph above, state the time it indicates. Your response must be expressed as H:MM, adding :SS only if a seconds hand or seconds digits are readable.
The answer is 2:16
